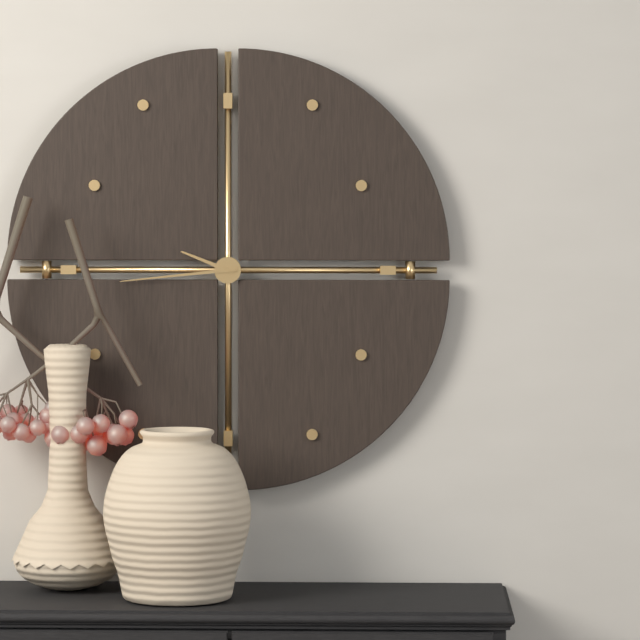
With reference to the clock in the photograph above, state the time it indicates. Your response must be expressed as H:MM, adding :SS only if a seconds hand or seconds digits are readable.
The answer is 9:44
